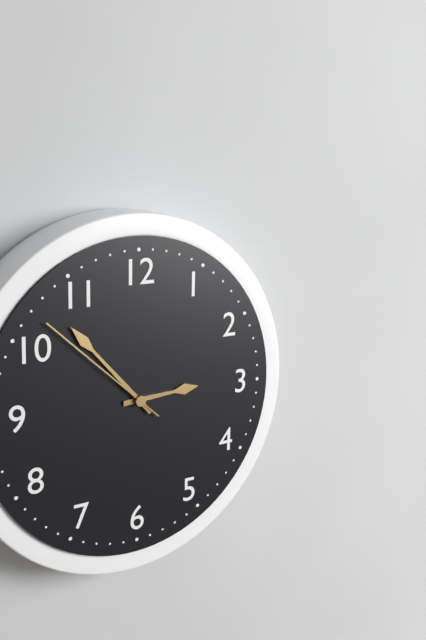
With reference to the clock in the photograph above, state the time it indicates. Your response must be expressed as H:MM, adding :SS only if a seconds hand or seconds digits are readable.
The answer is 2:53:52
